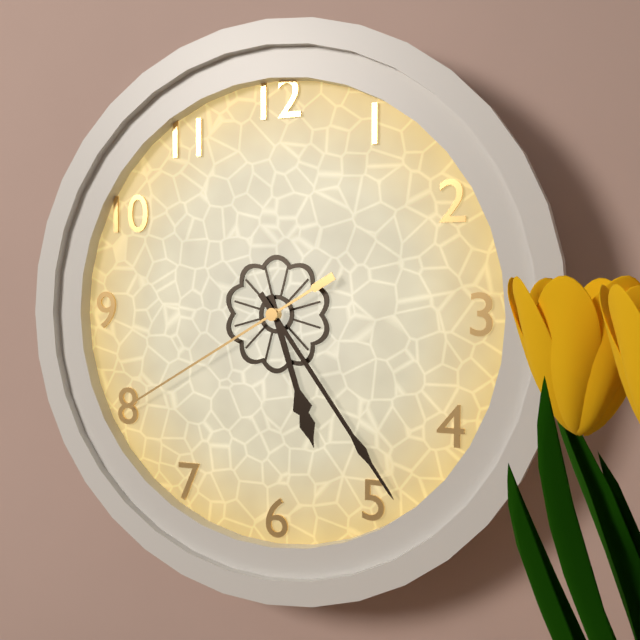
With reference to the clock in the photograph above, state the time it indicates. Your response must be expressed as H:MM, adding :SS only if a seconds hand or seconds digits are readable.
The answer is 5:24:40
